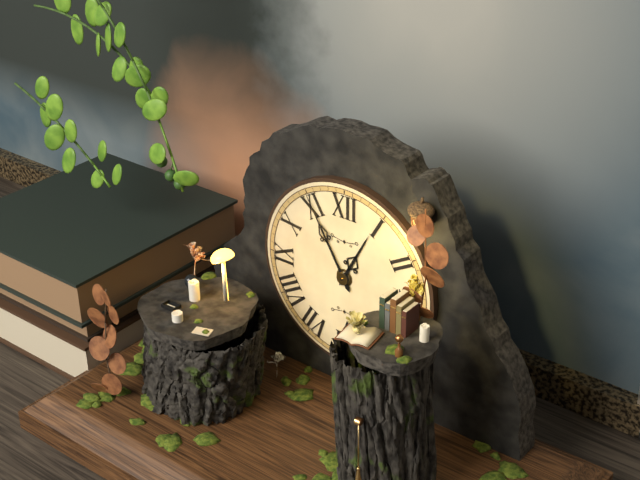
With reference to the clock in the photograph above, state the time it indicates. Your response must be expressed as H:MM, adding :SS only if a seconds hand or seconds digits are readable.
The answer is 12:55
